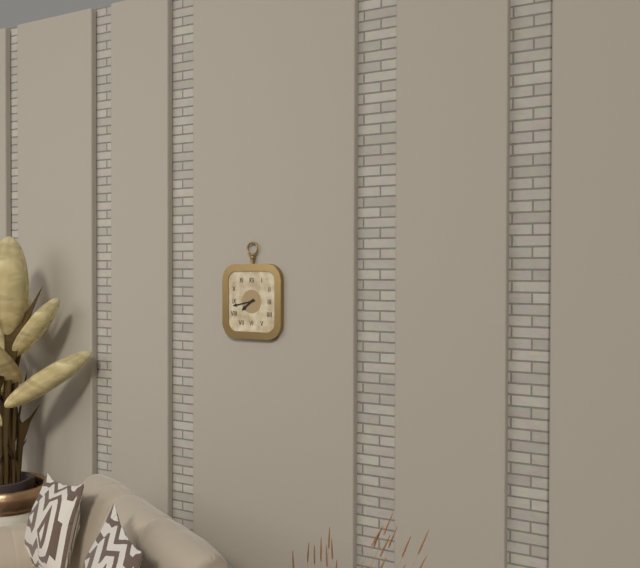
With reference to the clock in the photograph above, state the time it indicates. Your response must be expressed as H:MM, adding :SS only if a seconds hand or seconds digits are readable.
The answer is 7:43
